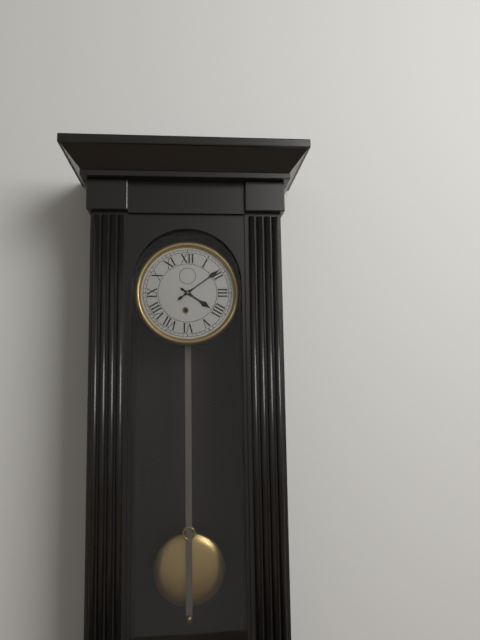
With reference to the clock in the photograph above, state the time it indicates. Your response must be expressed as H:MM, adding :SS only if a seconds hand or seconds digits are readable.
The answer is 4:09
